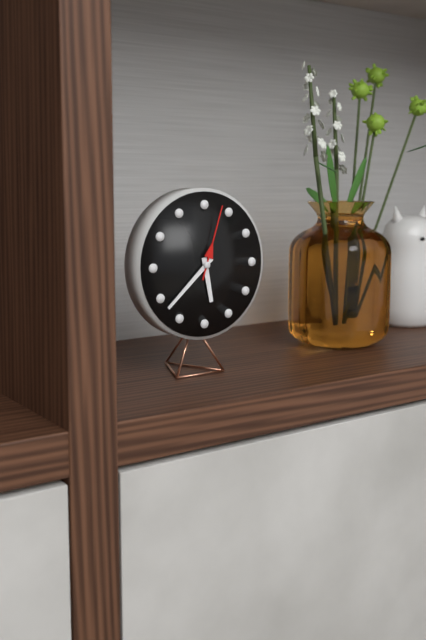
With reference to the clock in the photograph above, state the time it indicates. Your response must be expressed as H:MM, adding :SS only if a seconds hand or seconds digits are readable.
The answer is 5:38:03
